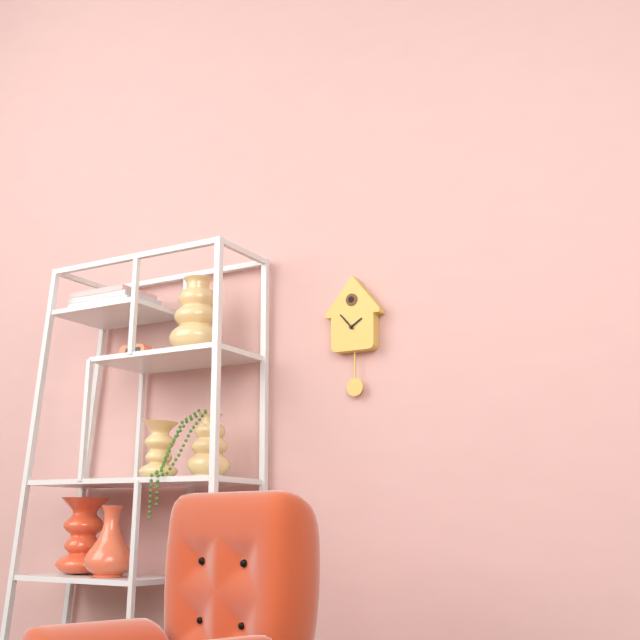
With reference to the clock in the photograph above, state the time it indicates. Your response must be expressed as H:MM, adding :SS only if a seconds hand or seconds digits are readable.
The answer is 1:53
